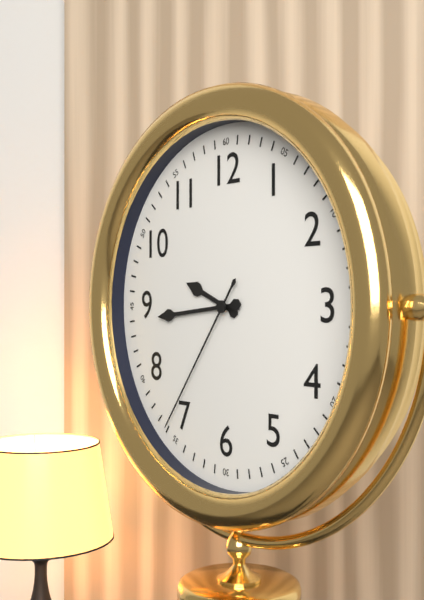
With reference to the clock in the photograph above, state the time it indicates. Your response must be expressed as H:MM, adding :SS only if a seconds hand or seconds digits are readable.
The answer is 9:44:36
